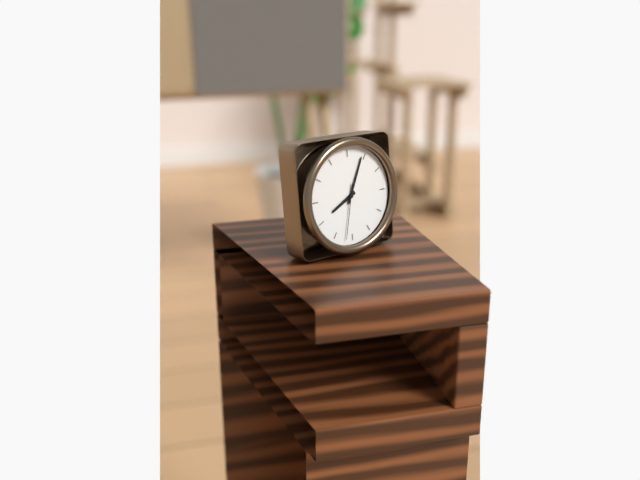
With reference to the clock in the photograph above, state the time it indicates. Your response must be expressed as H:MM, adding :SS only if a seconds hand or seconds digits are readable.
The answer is 8:04:32
